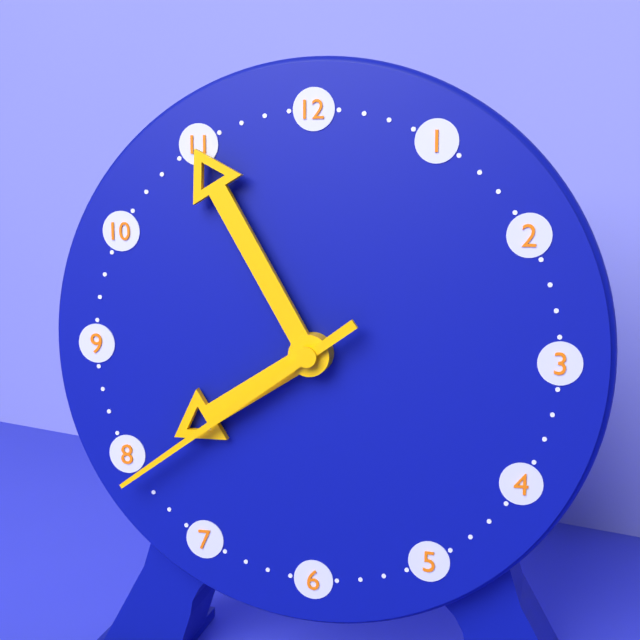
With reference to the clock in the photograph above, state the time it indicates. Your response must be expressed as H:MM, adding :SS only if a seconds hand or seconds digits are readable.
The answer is 7:55:39
